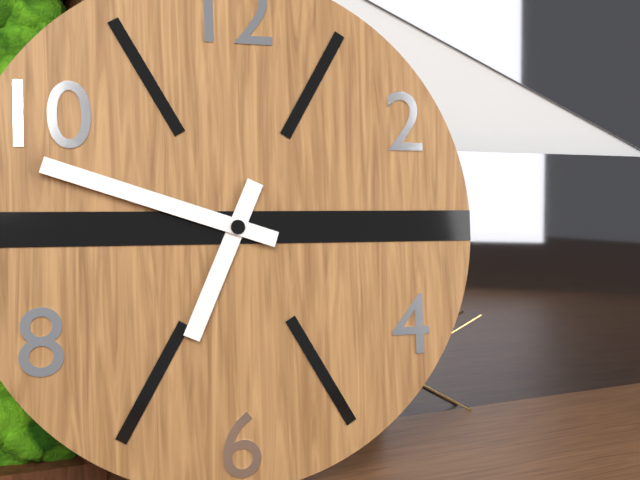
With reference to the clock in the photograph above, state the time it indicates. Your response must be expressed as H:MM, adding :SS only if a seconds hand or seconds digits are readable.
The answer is 6:48
